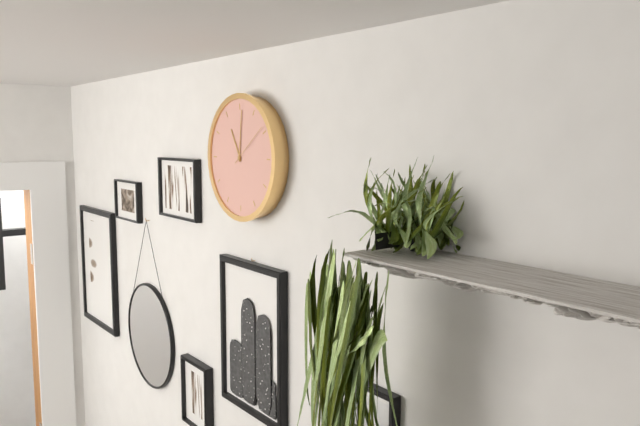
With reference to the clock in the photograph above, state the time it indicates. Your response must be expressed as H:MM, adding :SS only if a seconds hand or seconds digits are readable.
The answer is 11:01
